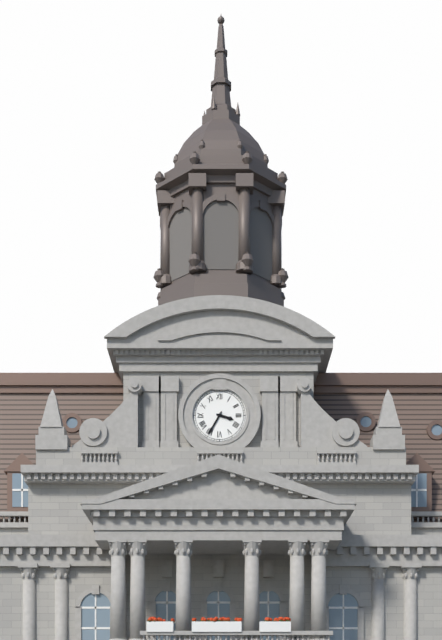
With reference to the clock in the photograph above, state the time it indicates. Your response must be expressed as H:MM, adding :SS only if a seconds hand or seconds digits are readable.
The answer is 3:35
